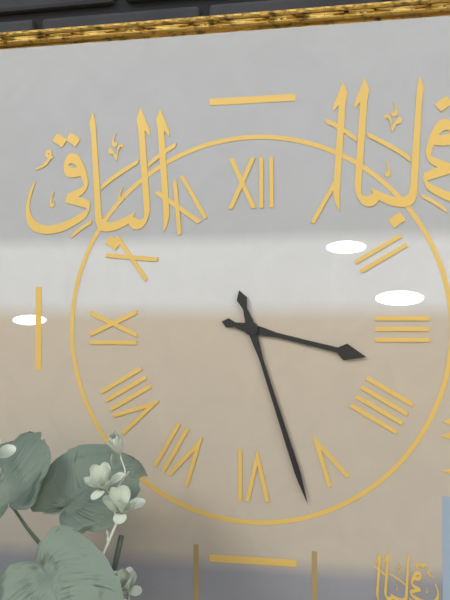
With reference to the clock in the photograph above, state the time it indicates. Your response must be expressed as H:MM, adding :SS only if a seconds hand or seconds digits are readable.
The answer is 3:27
